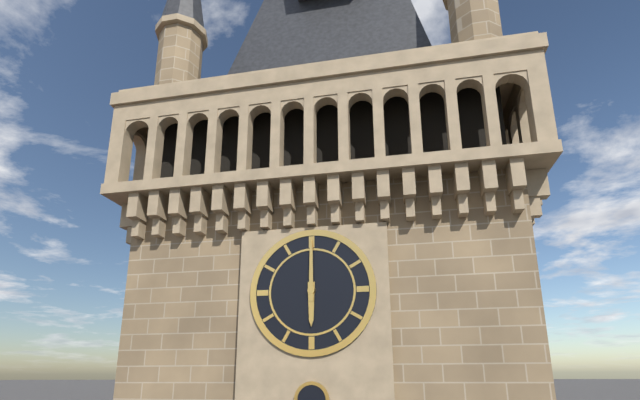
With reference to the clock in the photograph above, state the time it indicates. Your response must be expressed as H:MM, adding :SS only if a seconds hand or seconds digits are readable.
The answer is 6:00
